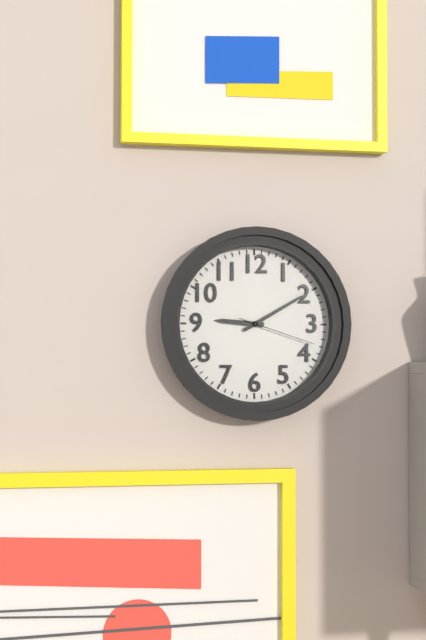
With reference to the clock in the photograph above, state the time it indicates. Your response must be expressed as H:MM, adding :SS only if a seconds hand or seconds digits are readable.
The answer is 9:10:18
